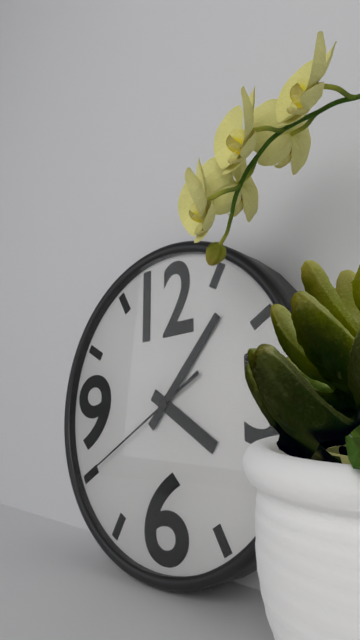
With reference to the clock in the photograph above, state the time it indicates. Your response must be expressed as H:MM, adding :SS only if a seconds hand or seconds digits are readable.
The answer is 4:07:40
